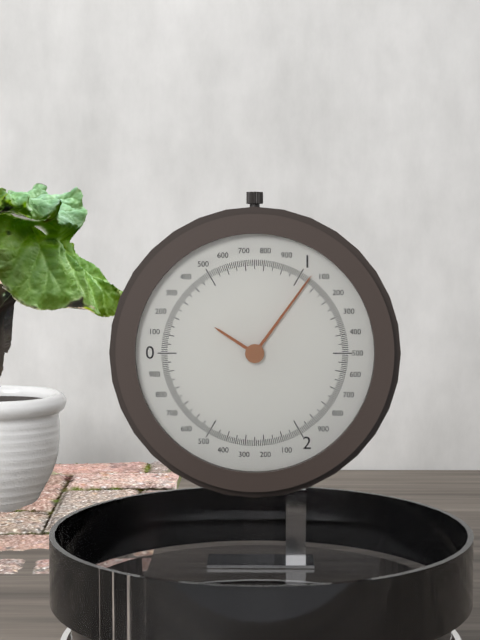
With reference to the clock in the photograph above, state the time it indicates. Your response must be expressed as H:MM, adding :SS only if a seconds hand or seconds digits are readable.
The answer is 10:06
